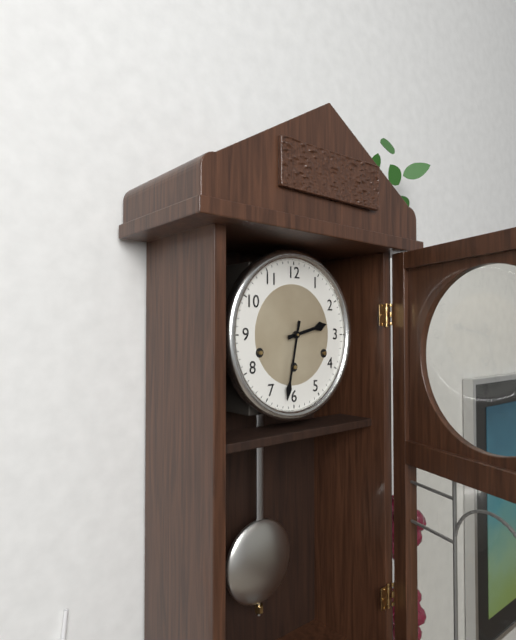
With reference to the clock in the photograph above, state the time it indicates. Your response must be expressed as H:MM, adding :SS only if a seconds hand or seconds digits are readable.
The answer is 2:32
